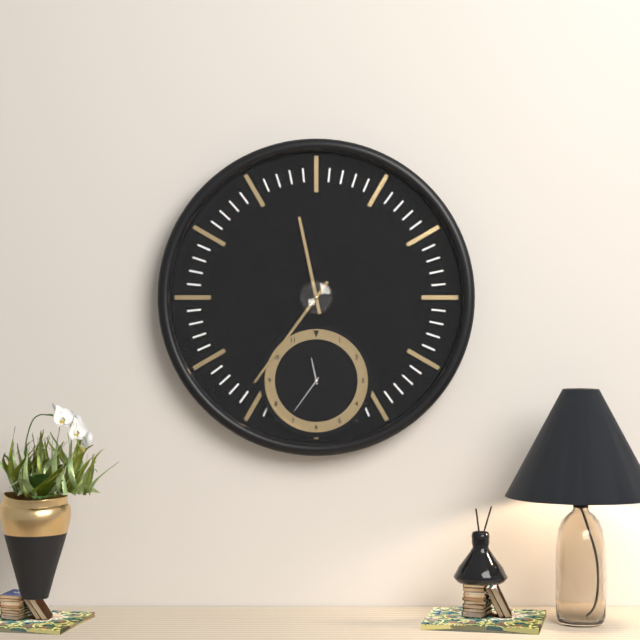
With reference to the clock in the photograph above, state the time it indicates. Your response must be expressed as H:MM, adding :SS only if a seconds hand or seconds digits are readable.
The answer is 11:36
